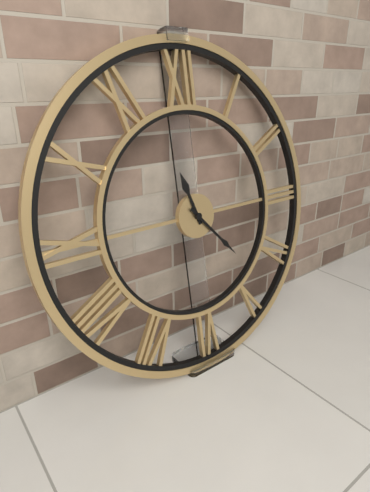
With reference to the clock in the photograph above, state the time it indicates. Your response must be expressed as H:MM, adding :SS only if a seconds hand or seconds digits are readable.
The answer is 11:23
